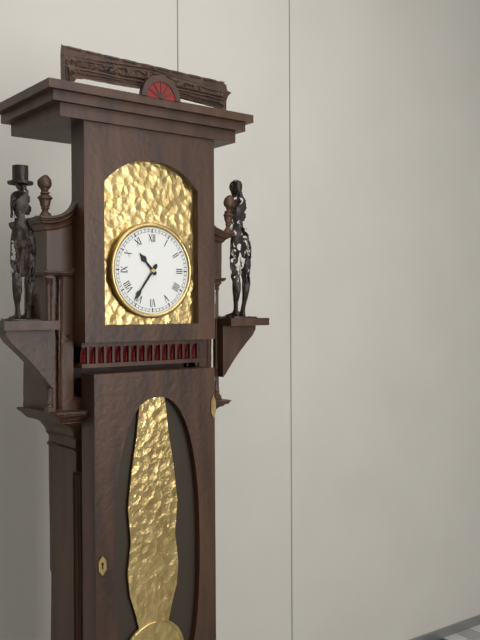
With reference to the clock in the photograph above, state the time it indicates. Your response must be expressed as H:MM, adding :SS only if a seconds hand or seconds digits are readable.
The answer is 10:36
